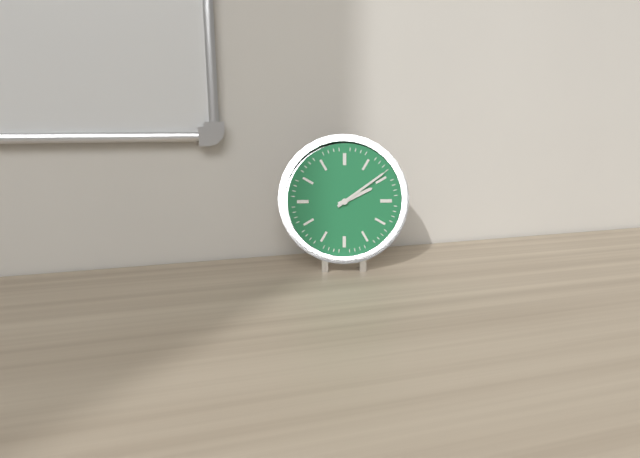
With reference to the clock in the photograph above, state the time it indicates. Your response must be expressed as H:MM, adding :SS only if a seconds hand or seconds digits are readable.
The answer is 2:09
